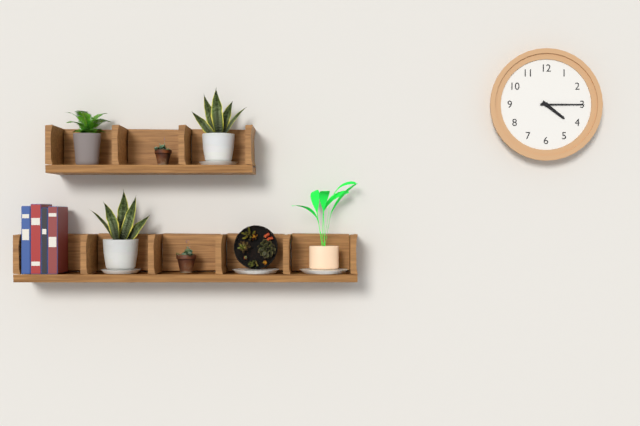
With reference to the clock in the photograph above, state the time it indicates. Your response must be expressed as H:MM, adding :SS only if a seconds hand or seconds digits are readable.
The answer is 4:15
